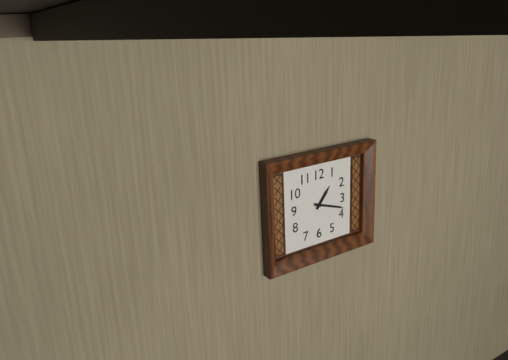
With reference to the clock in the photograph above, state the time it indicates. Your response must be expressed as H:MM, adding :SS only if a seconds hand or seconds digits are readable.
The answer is 1:18
